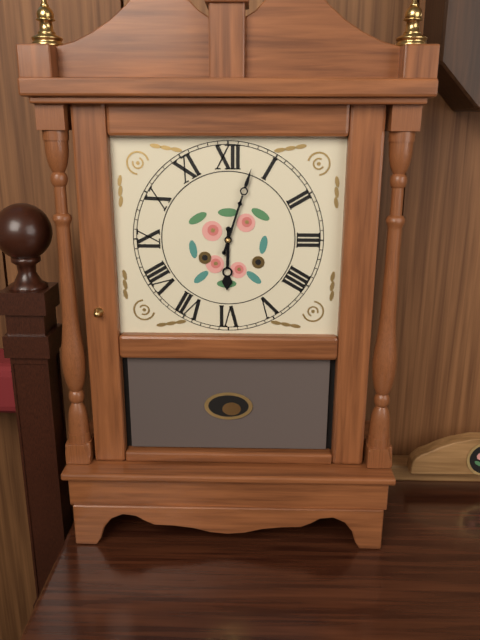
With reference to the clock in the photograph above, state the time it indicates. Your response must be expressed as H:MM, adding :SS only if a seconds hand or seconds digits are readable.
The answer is 6:03
